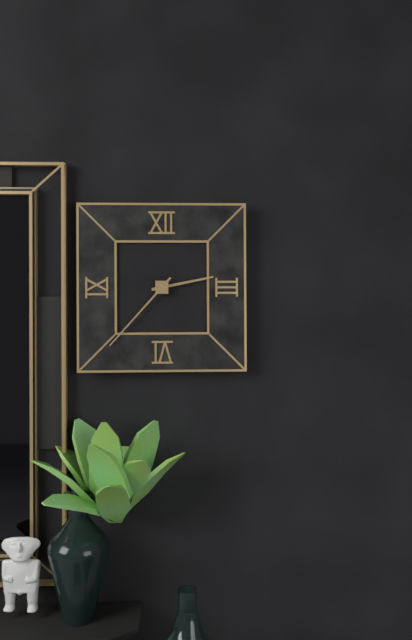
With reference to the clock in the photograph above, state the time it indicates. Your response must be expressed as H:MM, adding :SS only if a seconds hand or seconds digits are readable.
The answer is 2:37
